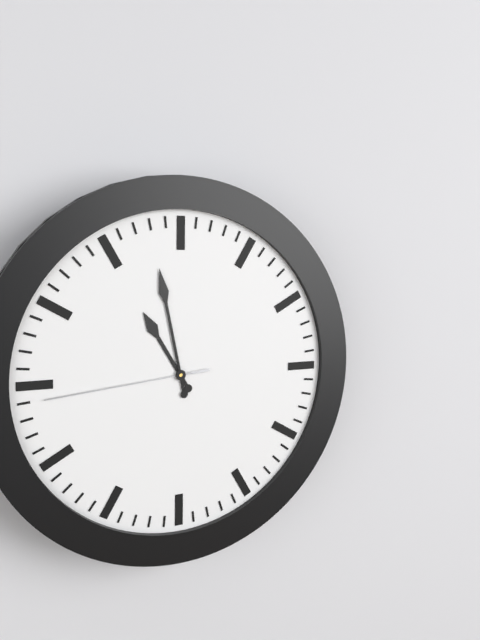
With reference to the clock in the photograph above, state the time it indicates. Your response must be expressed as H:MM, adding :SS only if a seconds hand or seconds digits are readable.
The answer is 10:58:44
